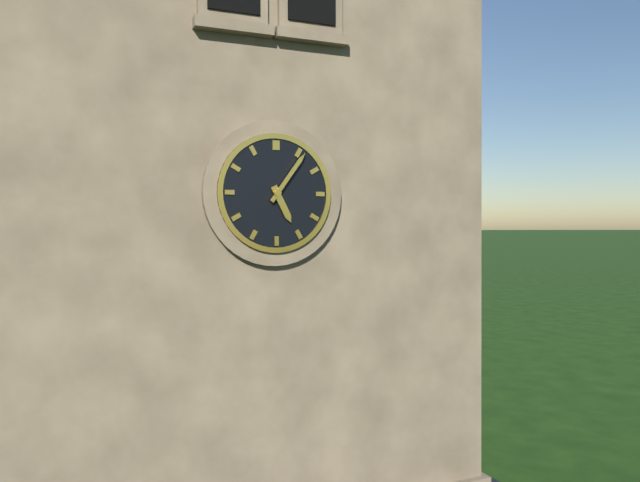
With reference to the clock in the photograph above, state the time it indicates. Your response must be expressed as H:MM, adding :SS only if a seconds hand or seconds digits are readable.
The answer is 5:06
